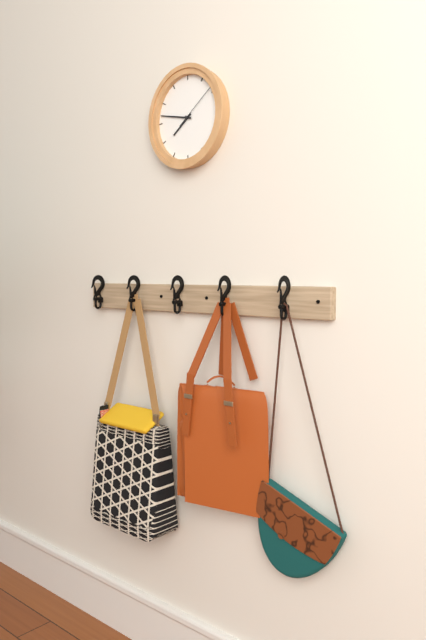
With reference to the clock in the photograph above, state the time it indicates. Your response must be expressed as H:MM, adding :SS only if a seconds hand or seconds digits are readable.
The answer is 7:47:09
